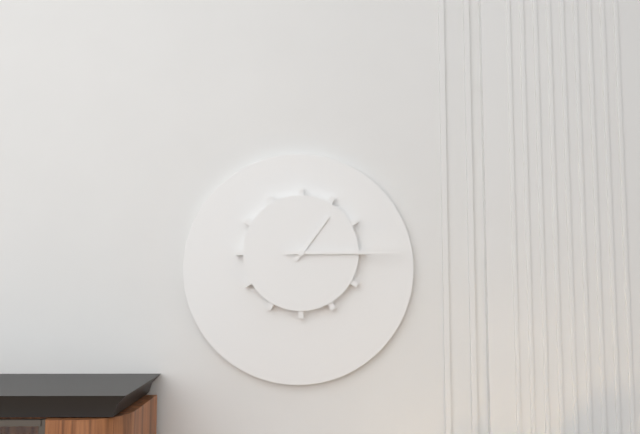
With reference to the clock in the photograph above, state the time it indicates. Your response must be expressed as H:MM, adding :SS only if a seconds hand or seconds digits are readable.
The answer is 1:15
